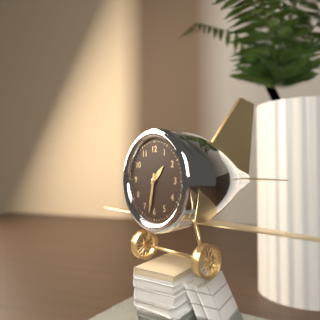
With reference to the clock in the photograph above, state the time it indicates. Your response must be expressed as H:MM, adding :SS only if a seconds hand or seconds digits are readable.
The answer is 1:32
